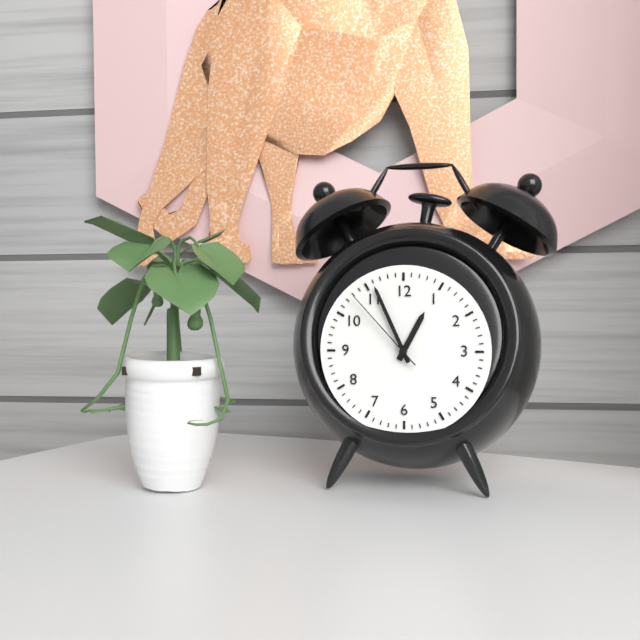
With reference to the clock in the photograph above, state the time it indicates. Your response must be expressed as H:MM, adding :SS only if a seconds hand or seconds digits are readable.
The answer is 12:56:53
